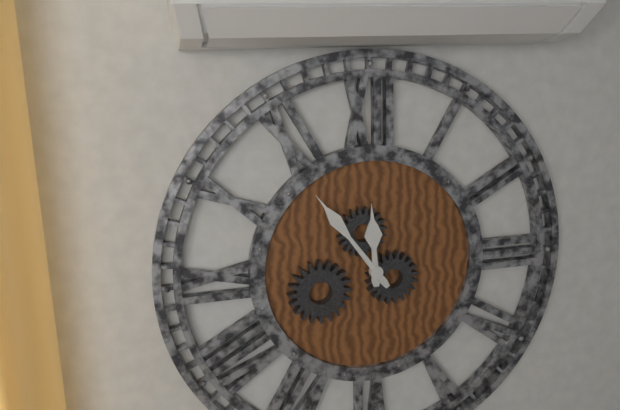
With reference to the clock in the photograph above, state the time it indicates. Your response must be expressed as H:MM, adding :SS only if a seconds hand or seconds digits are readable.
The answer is 11:54
